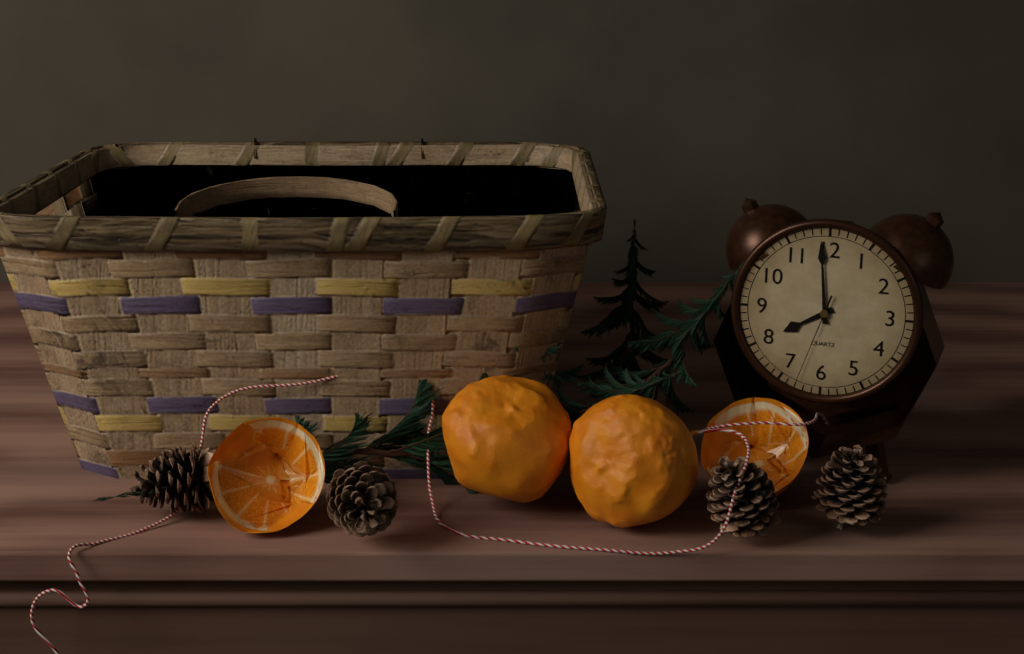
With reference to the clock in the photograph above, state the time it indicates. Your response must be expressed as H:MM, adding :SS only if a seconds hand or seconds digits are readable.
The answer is 7:59:33
